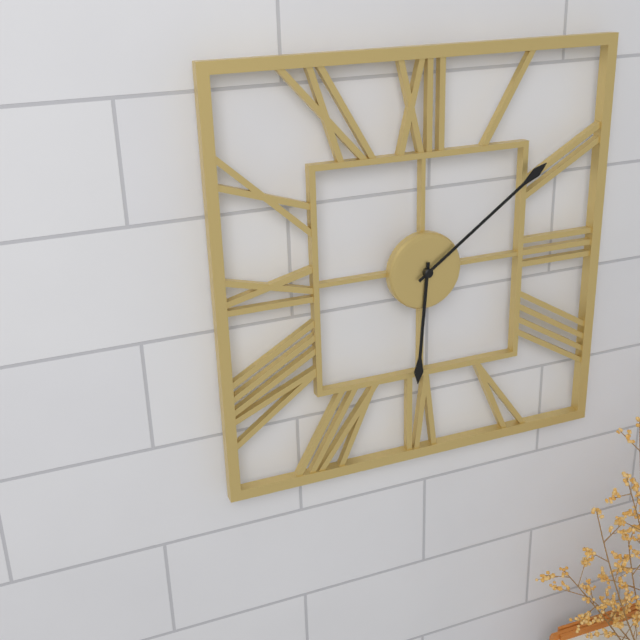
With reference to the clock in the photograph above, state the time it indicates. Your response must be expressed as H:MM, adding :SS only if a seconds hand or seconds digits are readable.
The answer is 6:09
